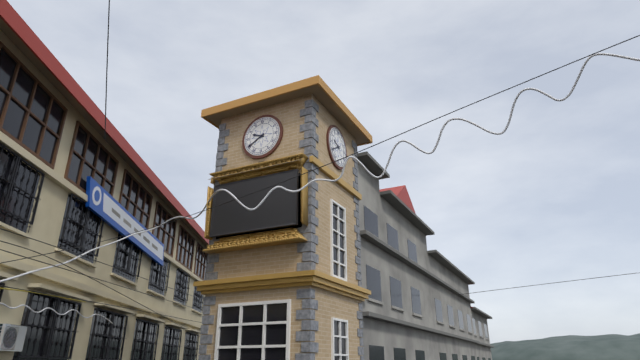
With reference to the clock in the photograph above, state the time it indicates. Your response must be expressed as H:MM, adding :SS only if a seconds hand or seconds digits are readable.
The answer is 9:40
